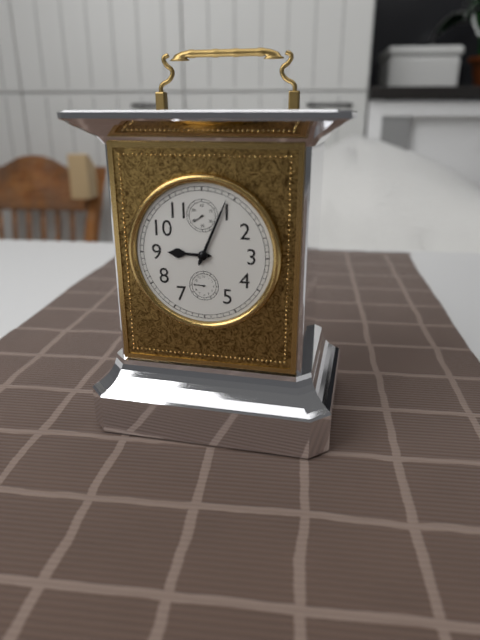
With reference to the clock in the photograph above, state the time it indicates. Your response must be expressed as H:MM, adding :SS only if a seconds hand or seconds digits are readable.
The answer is 9:04
